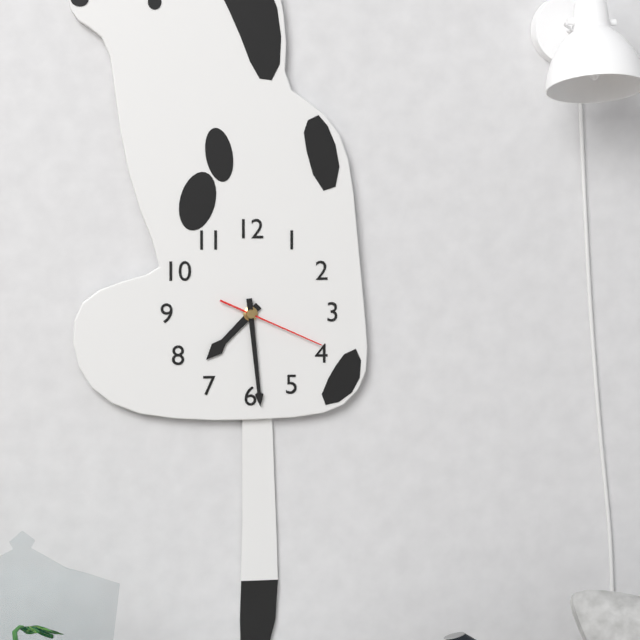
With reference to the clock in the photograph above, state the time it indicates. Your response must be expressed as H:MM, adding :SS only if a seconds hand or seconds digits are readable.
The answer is 7:29:19
